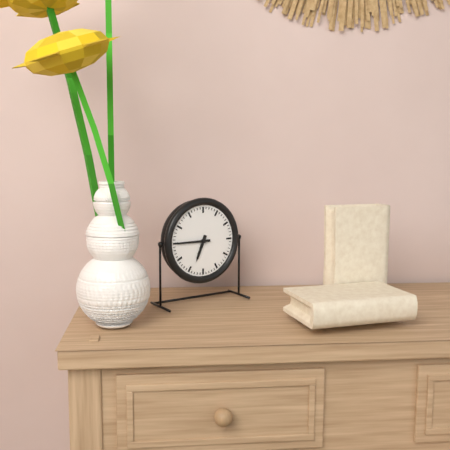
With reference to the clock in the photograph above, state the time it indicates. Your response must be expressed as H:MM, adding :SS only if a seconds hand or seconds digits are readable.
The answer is 6:45
